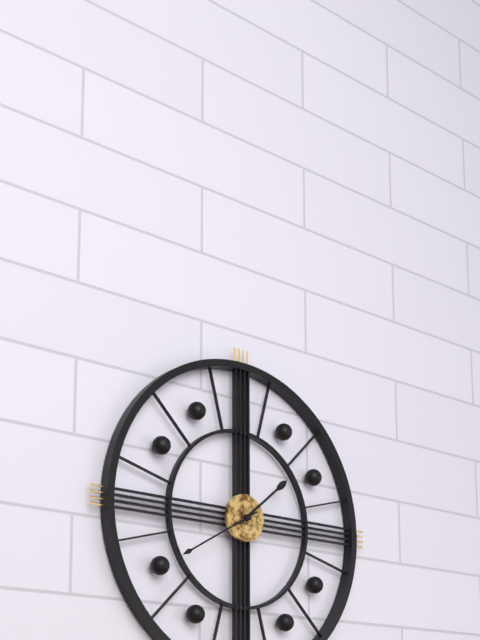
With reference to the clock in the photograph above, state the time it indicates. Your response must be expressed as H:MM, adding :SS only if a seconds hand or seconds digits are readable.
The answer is 1:40
